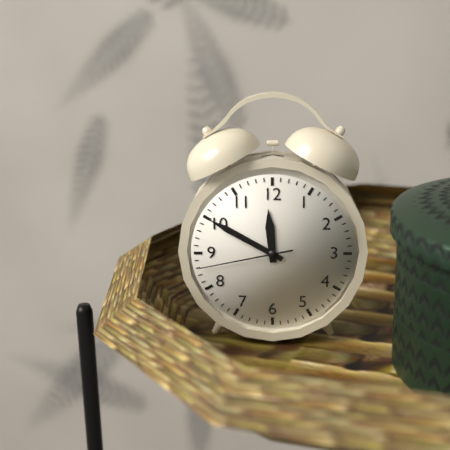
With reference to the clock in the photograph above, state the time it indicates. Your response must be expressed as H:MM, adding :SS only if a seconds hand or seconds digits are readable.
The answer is 11:50:43
